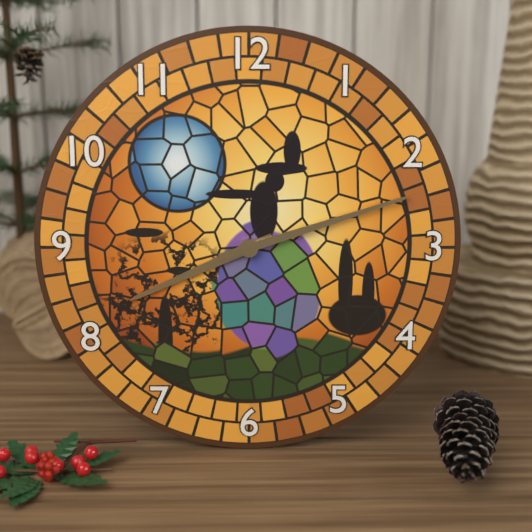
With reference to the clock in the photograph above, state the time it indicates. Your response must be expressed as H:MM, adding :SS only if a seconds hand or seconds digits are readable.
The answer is 8:12
